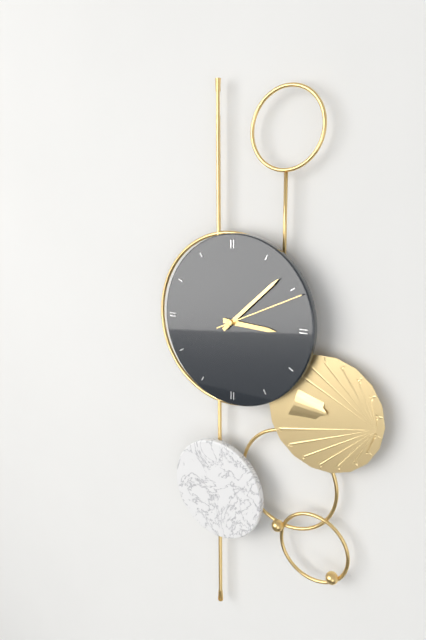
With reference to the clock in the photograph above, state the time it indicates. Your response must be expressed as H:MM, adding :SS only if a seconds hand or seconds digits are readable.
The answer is 3:08:11
